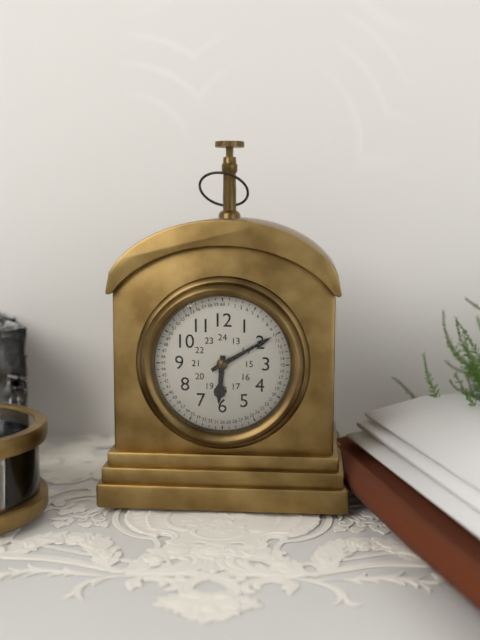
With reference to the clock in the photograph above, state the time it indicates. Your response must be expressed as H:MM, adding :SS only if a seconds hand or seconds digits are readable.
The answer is 6:10
